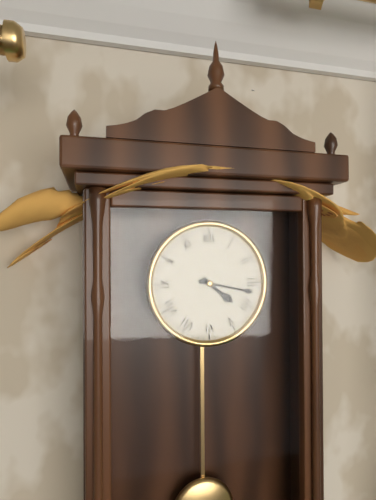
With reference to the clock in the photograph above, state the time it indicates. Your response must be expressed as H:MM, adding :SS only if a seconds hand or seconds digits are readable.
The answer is 4:17
